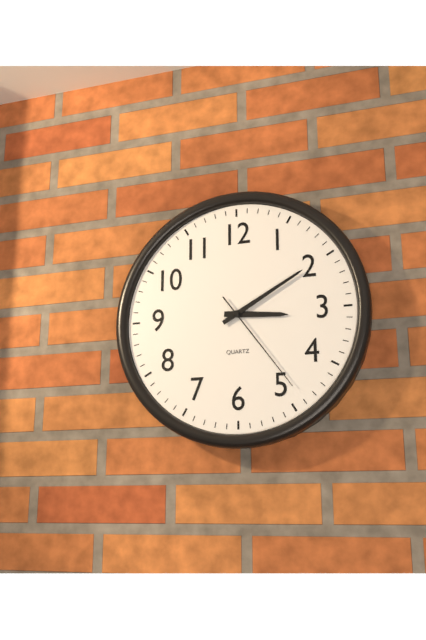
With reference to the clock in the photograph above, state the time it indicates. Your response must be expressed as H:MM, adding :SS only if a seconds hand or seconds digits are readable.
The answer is 3:10:24
